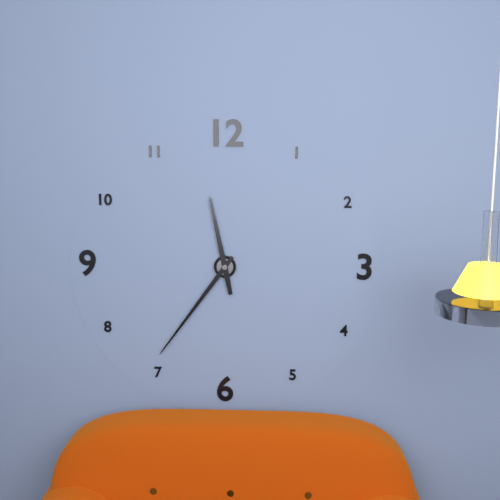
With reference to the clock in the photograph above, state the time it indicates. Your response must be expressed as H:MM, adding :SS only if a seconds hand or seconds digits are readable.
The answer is 11:36
